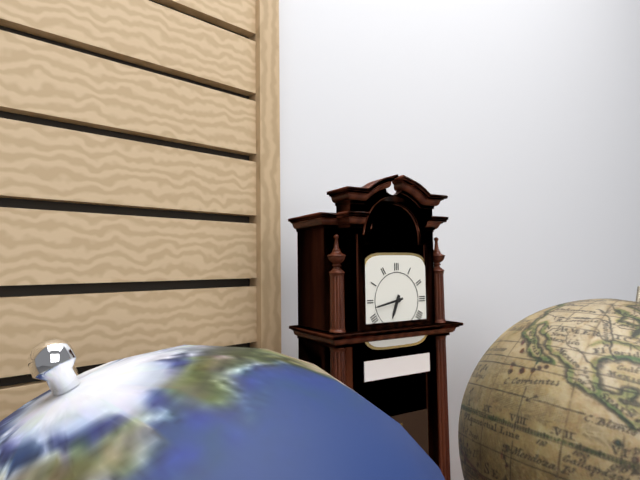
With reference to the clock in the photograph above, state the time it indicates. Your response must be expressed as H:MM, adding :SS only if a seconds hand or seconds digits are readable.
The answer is 6:43
